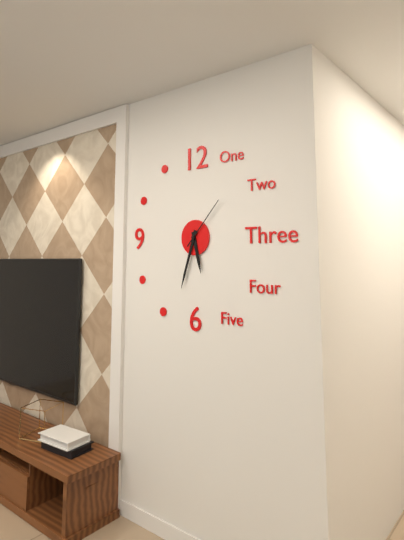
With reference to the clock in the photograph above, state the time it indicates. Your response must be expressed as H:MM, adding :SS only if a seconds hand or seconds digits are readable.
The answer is 5:33:07
